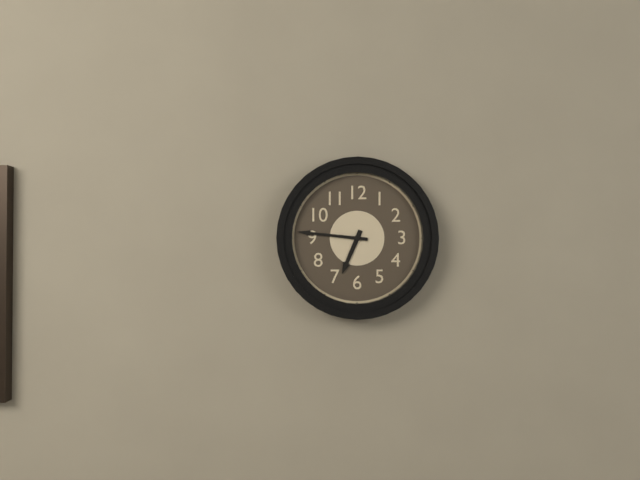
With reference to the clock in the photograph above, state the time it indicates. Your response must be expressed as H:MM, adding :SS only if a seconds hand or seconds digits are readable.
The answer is 6:46
